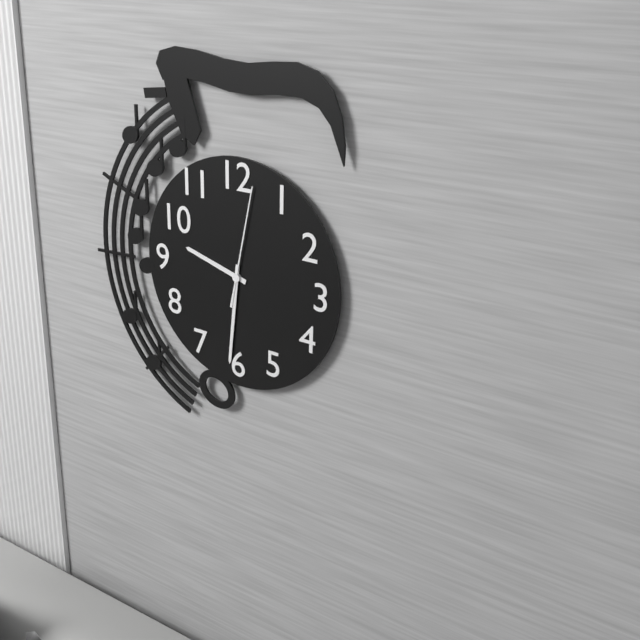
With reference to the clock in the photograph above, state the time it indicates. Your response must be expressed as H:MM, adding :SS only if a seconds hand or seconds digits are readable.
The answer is 9:31:02
